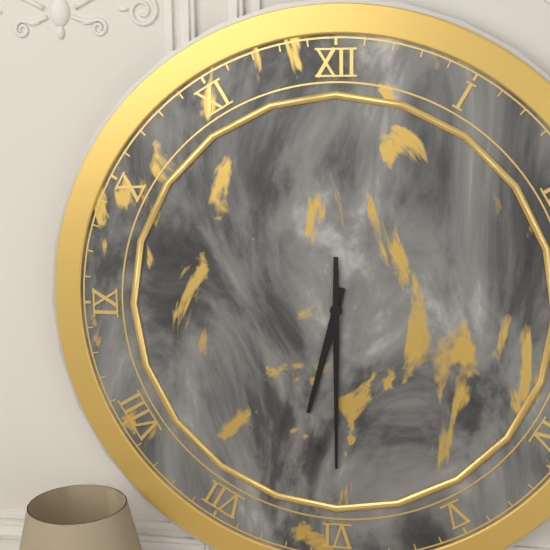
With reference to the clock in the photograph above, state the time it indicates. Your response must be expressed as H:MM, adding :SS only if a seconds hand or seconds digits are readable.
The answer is 6:30
